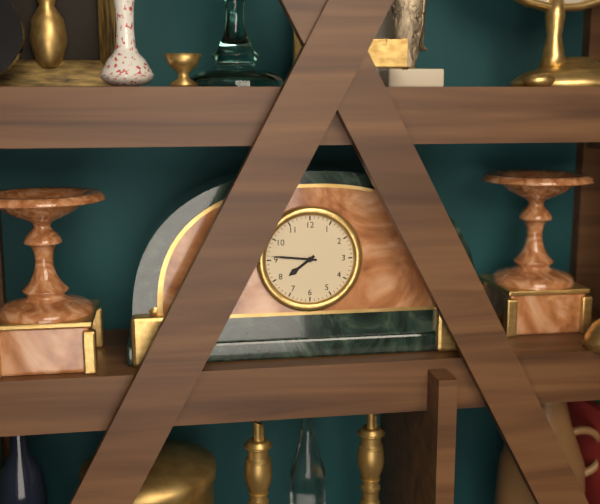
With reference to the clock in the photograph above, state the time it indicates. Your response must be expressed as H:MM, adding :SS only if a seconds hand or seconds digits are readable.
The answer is 7:46
